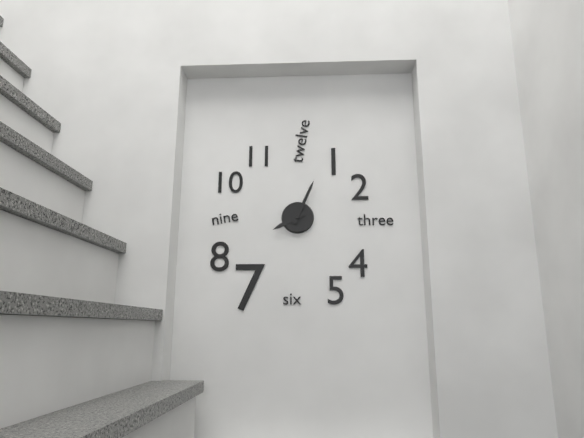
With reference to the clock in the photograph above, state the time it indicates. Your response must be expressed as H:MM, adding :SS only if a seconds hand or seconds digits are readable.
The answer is 8:04
